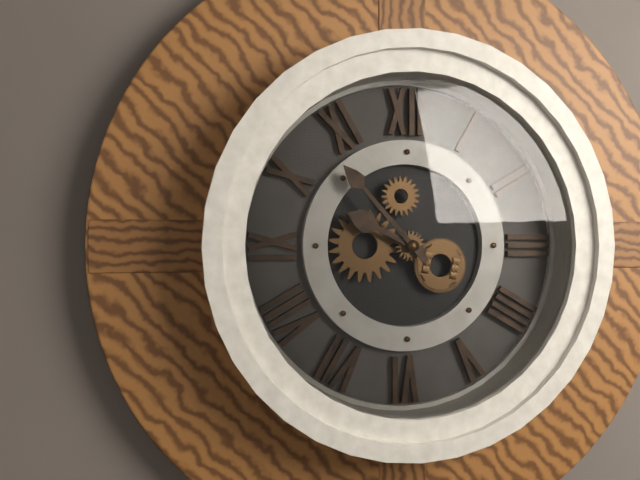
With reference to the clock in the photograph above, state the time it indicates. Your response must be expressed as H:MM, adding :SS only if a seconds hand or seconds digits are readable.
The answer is 9:53
